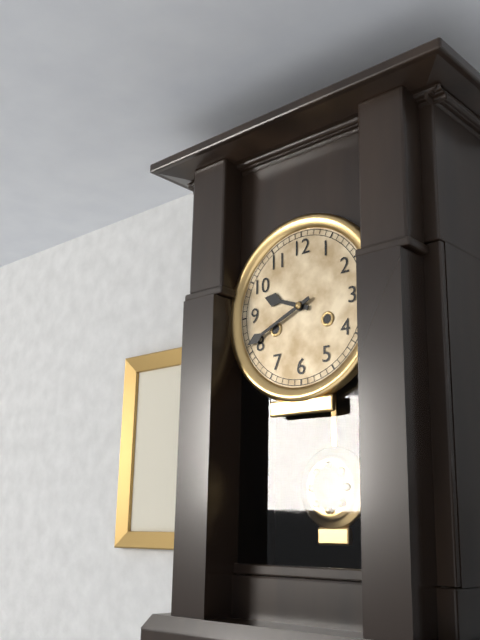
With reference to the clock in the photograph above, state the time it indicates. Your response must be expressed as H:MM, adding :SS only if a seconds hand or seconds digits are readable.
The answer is 9:41
